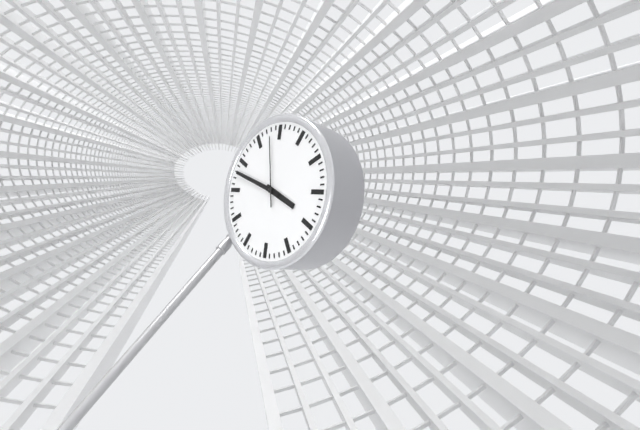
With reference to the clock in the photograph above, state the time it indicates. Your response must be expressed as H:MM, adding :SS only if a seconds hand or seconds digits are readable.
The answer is 3:48:58
